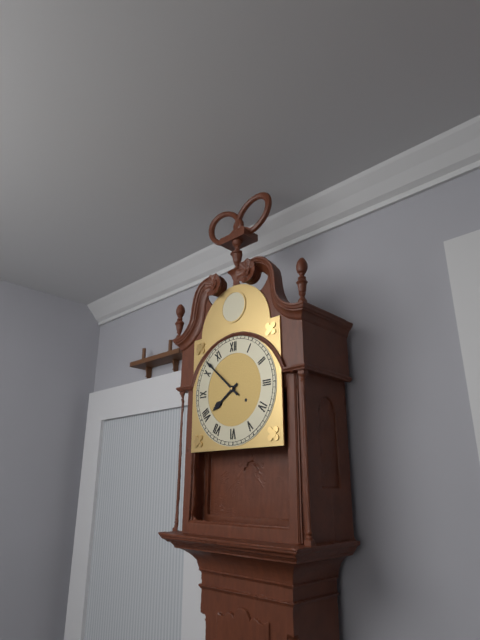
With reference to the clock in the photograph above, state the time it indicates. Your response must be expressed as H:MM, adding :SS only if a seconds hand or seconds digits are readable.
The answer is 7:52
